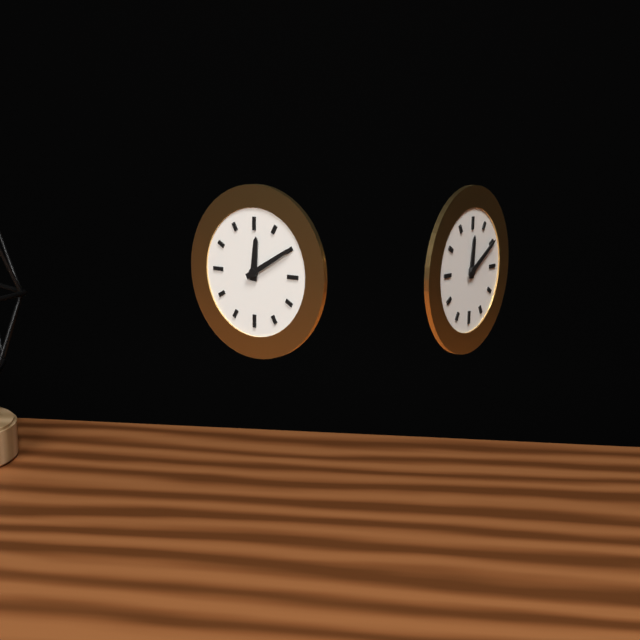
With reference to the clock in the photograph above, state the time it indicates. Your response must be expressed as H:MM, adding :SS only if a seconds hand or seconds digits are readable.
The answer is 12:10
